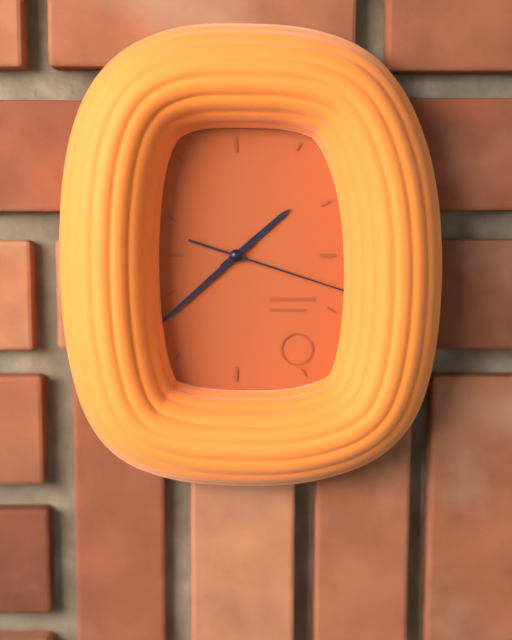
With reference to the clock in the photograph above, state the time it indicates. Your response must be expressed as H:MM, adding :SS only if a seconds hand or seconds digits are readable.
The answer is 1:38:18
